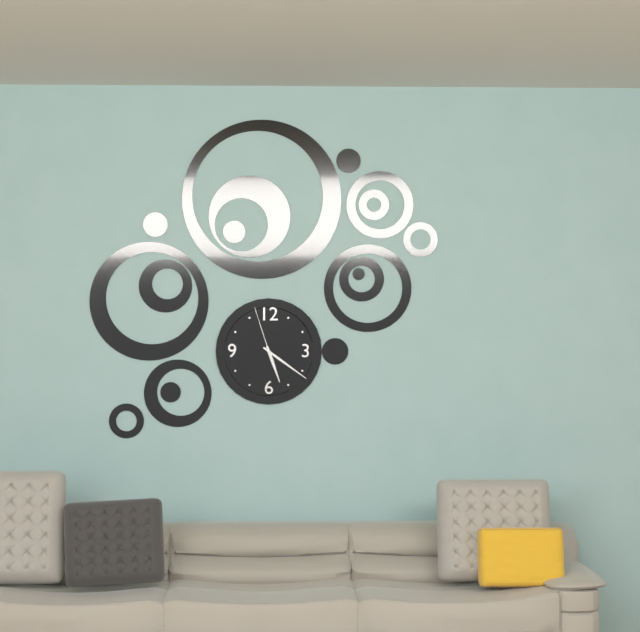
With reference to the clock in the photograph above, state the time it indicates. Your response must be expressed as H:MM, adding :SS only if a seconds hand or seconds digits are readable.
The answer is 5:21:57
